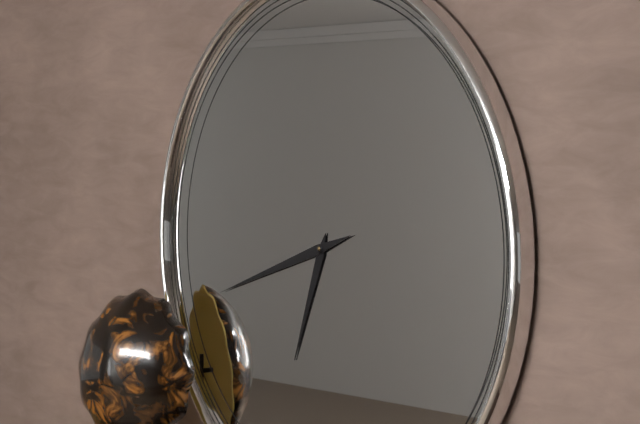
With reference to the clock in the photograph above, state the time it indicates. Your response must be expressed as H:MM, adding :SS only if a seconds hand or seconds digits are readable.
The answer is 6:42
